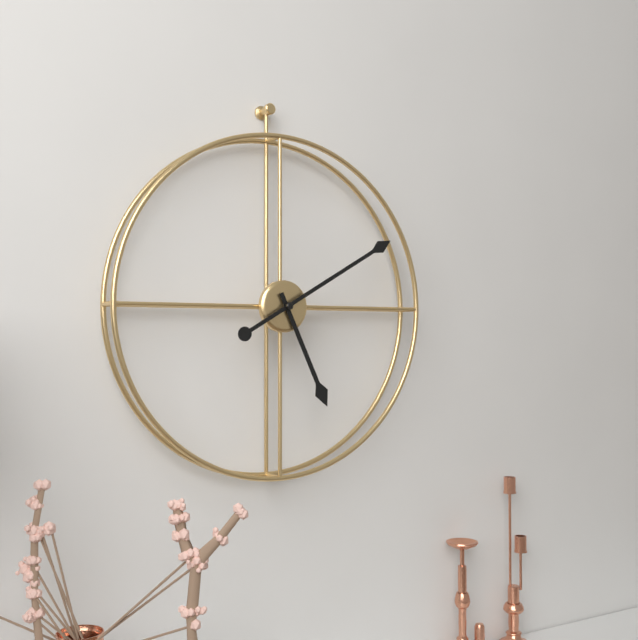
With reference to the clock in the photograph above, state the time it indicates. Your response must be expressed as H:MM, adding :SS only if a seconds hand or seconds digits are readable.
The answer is 5:10
